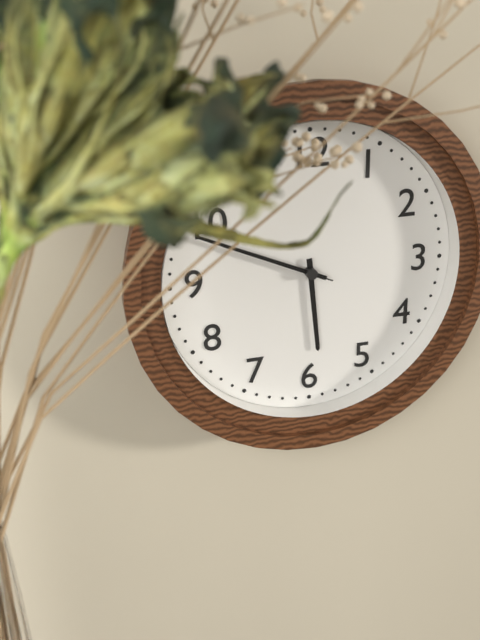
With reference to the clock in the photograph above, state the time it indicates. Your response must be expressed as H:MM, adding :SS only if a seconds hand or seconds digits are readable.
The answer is 5:49:49
